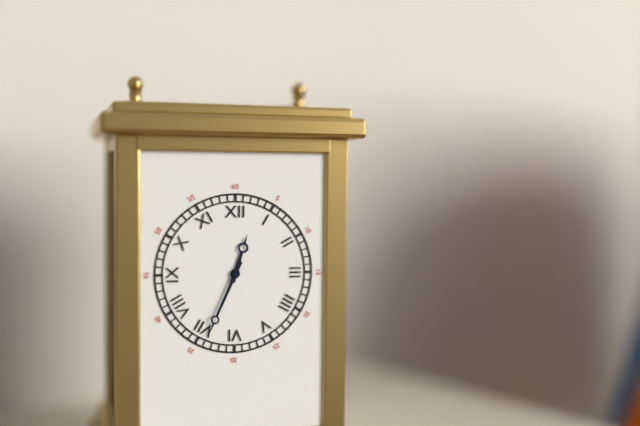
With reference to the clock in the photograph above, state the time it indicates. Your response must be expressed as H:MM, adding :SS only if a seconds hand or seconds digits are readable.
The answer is 12:34
